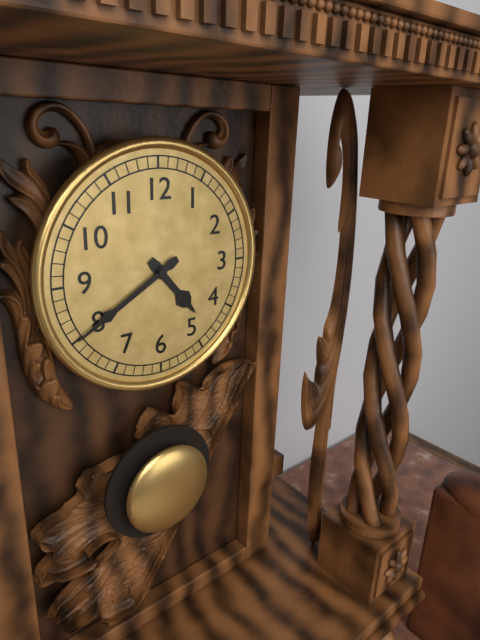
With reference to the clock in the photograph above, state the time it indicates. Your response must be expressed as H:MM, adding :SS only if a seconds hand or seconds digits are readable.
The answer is 4:40
